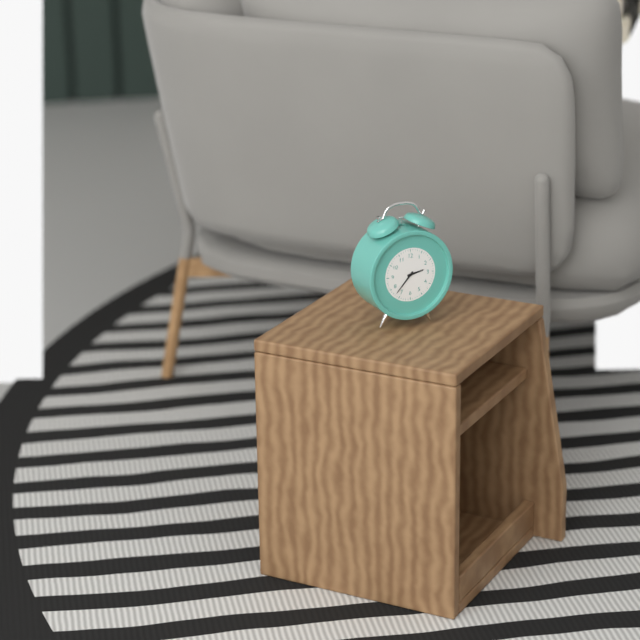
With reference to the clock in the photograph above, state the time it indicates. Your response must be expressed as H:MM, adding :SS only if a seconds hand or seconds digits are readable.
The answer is 2:37
